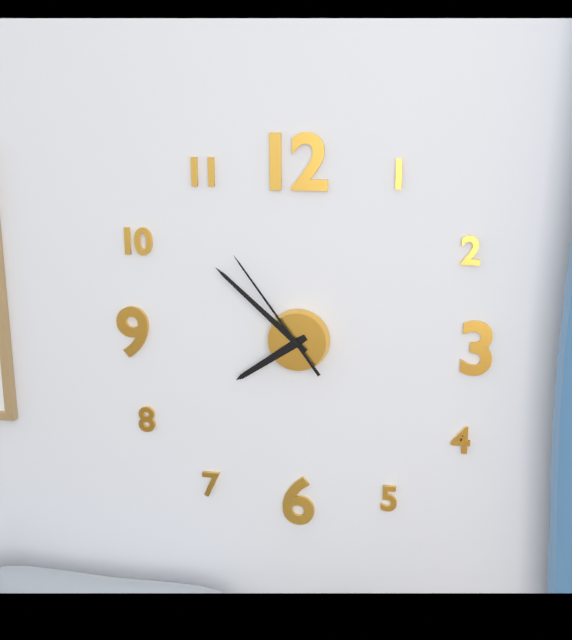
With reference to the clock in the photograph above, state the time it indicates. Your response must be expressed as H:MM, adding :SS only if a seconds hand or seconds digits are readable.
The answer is 7:52:54
